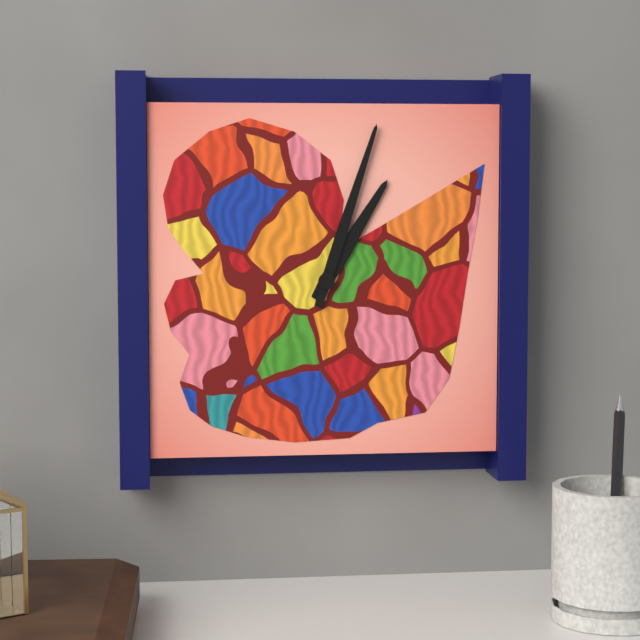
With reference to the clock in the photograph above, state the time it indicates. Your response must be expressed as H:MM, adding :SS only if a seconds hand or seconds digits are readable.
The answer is 1:03
